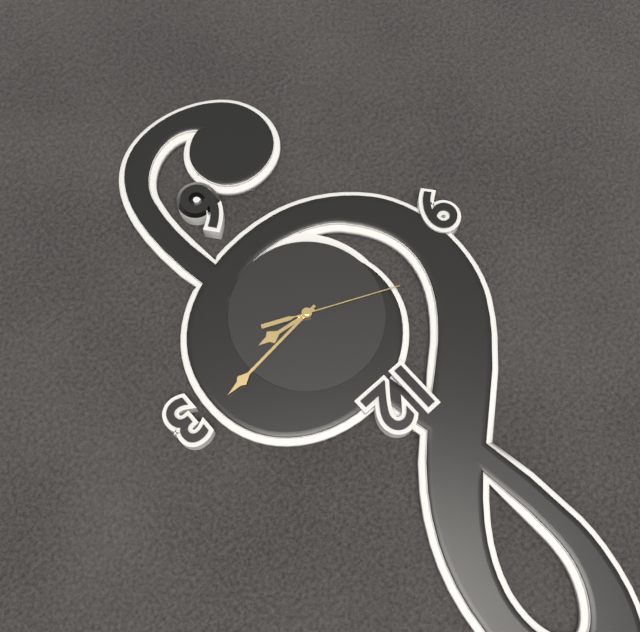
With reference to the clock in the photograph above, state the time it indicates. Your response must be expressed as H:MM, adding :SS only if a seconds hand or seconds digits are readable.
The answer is 3:14:49
